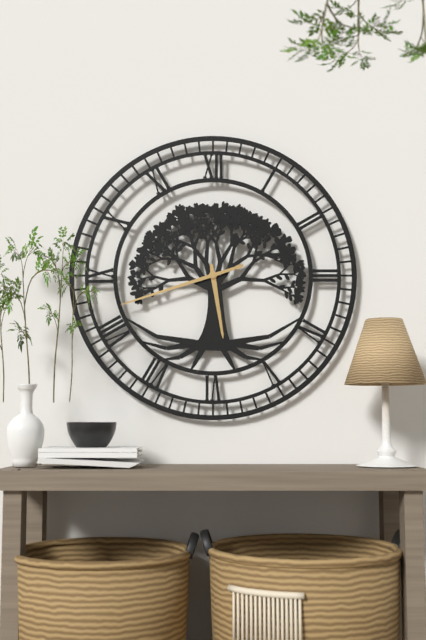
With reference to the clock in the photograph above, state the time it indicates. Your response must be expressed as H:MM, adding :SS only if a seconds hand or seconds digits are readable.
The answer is 5:42
